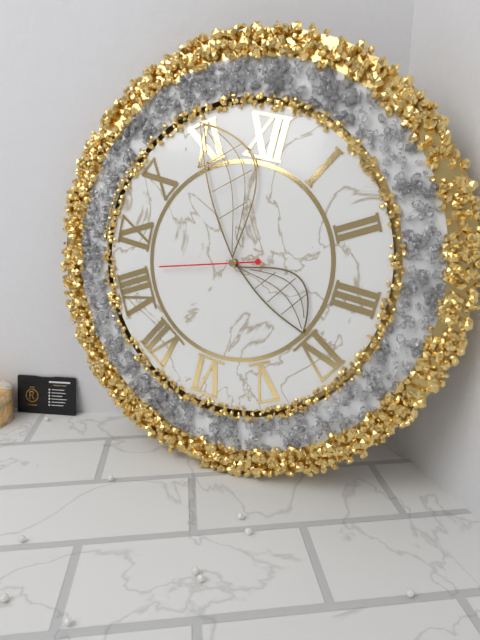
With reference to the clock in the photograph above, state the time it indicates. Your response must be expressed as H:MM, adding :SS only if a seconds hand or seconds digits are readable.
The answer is 3:55:42
